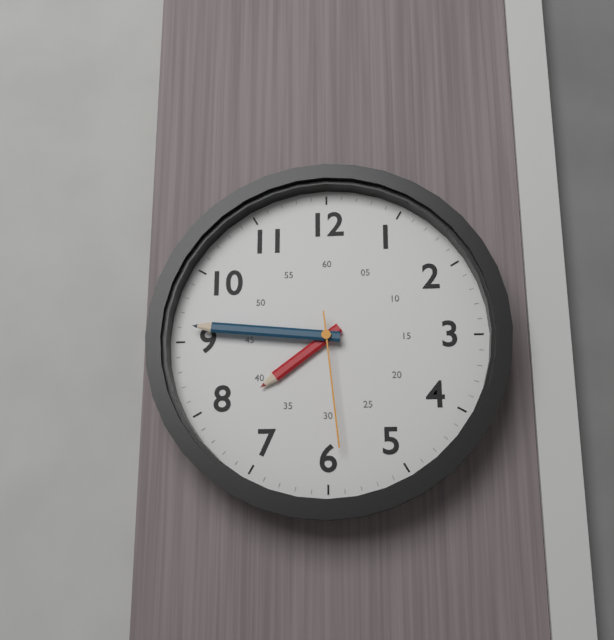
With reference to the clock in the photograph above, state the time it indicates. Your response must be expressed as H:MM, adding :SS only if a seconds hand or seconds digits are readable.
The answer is 7:46:29
